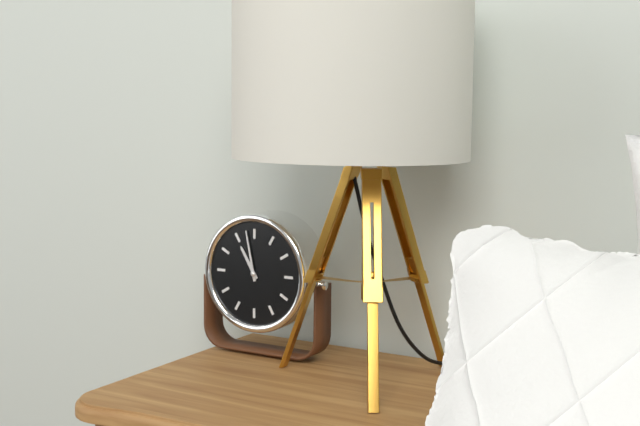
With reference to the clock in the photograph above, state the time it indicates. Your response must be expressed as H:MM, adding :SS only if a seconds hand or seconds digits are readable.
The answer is 10:58
